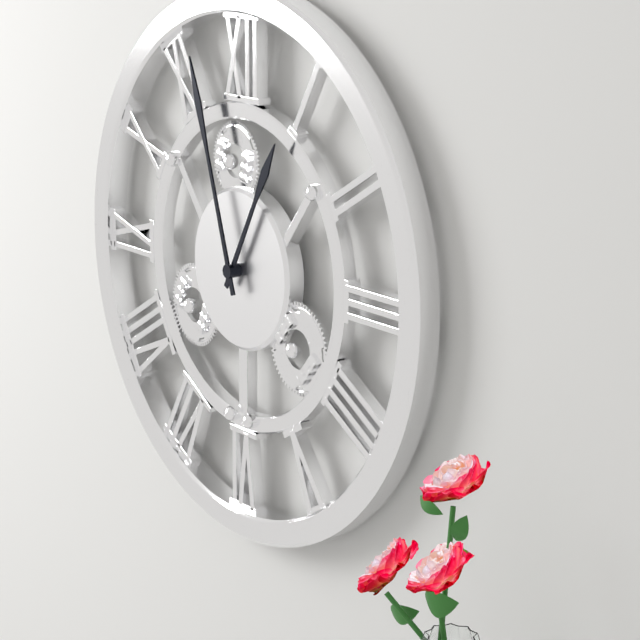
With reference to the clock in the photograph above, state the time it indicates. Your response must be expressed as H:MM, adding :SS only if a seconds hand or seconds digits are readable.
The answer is 12:57
